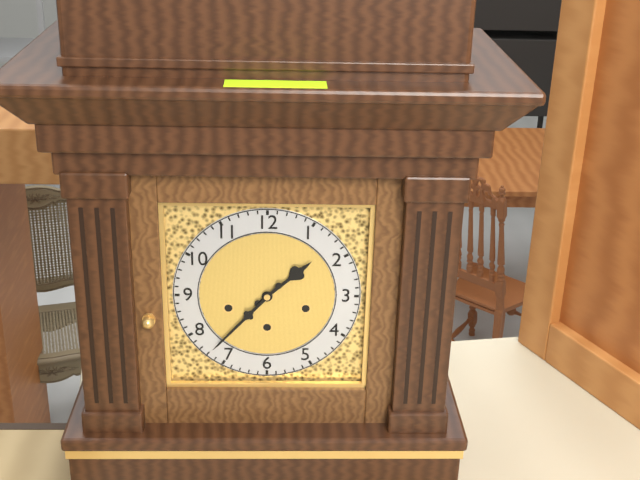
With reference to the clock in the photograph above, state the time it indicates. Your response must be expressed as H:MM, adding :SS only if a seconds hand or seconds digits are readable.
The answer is 1:37
